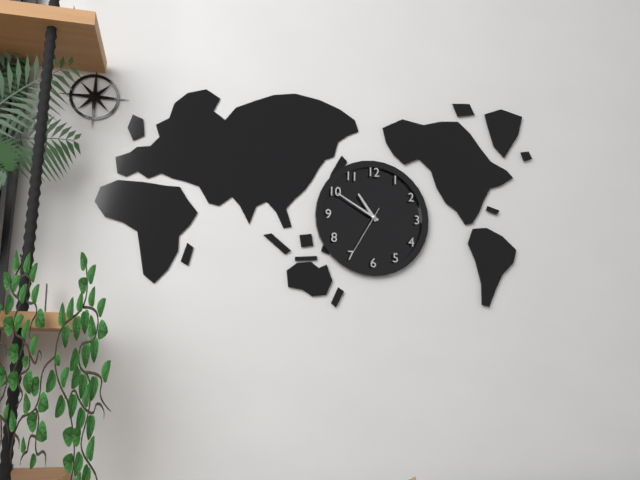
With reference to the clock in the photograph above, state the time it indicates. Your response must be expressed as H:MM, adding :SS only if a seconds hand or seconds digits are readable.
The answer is 10:50:35
